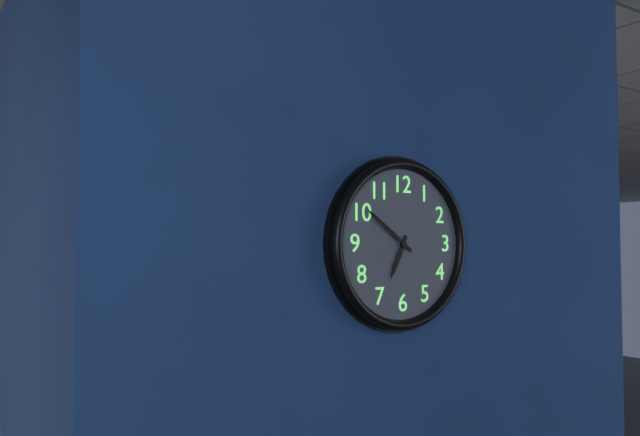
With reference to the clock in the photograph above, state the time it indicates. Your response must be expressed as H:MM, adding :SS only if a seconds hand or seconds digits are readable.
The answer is 6:51
